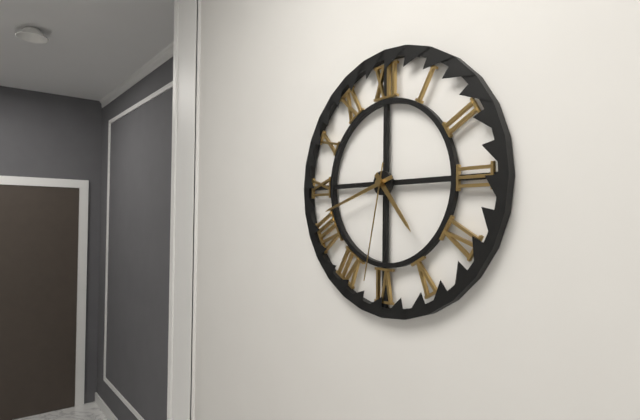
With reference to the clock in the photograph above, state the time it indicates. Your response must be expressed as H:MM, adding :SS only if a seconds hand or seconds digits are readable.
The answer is 4:42:32
